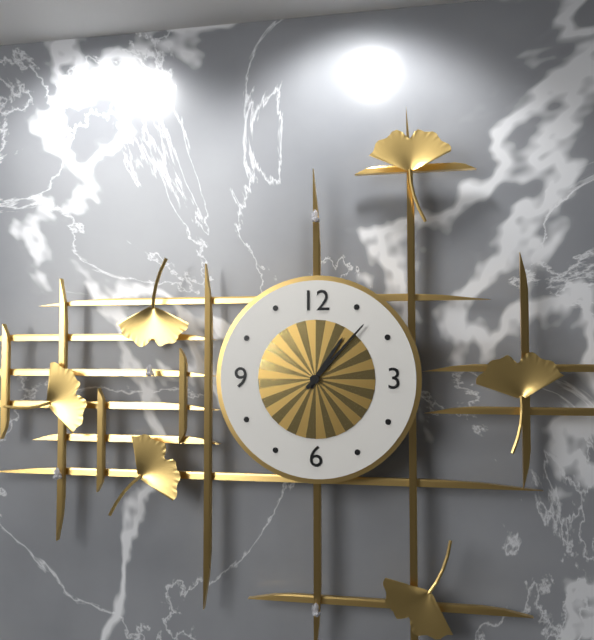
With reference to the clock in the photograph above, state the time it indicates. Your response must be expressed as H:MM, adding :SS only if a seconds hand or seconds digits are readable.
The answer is 1:07
